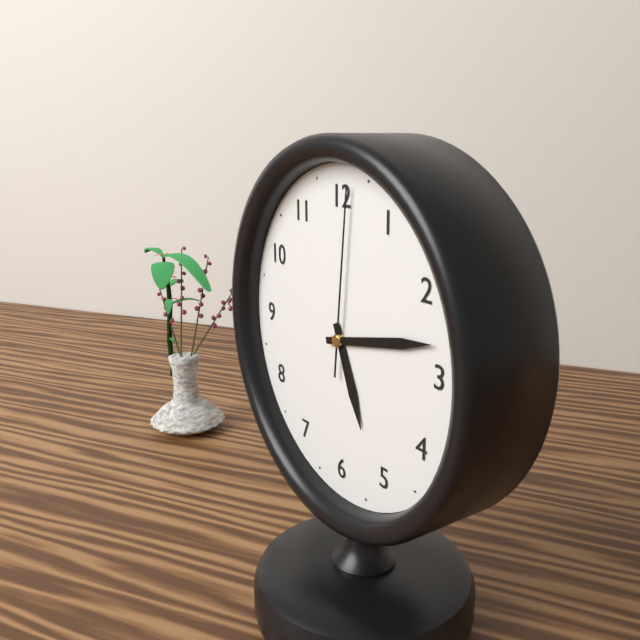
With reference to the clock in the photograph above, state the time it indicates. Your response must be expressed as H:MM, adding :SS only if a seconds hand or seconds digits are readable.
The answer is 5:13:01
